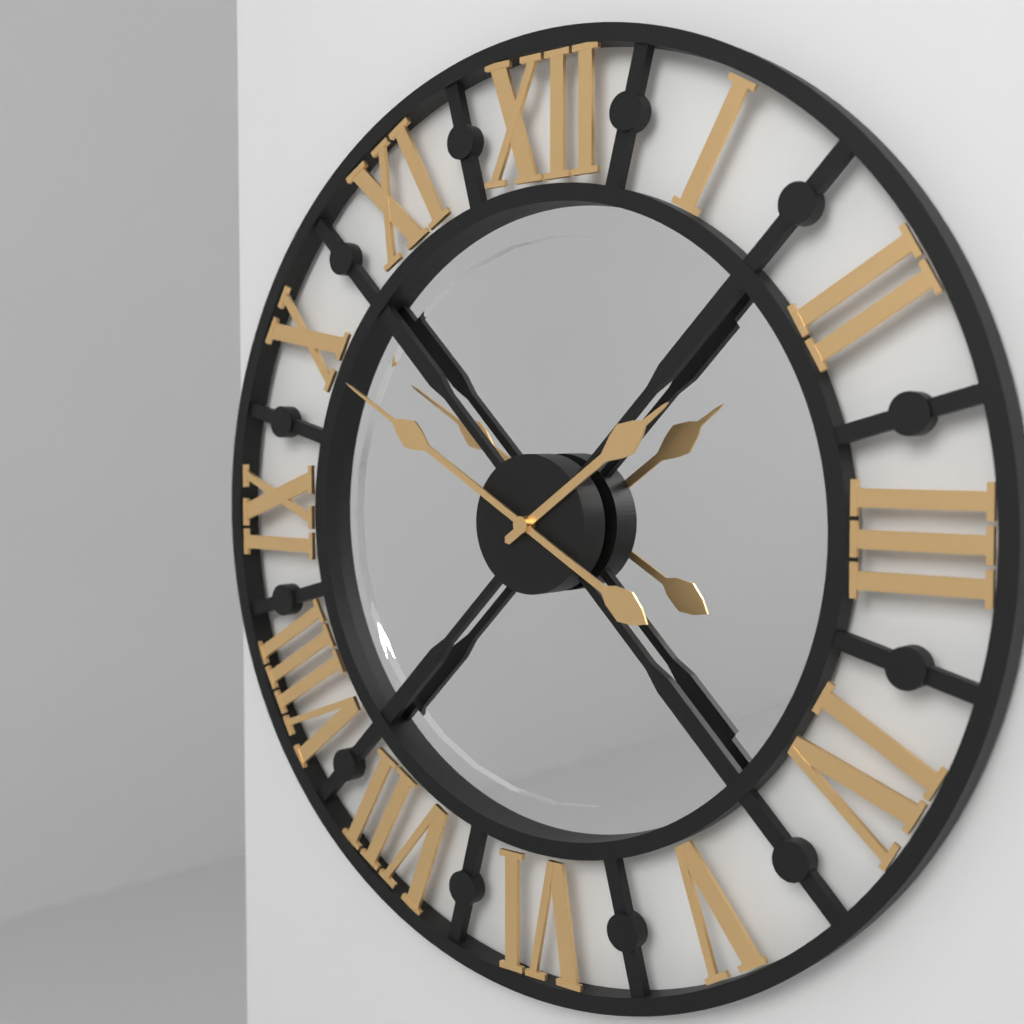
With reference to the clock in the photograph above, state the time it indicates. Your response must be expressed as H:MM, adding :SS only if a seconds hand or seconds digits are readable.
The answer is 1:50
